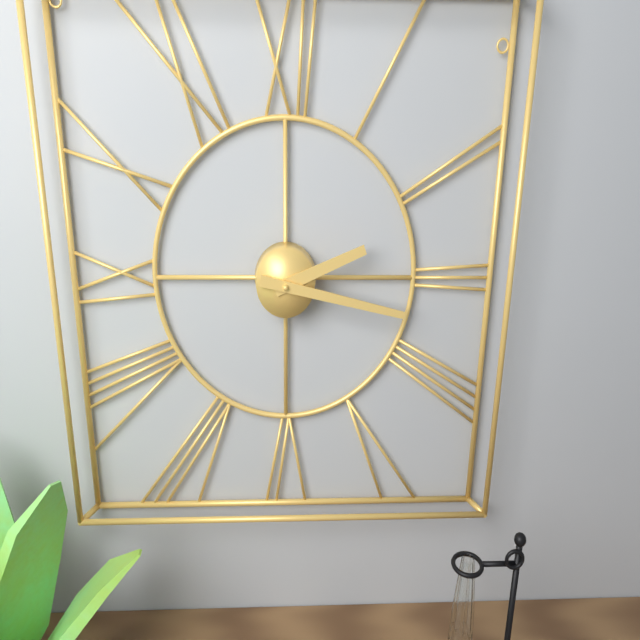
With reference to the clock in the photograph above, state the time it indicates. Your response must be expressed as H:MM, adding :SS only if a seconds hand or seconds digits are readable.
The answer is 2:17
